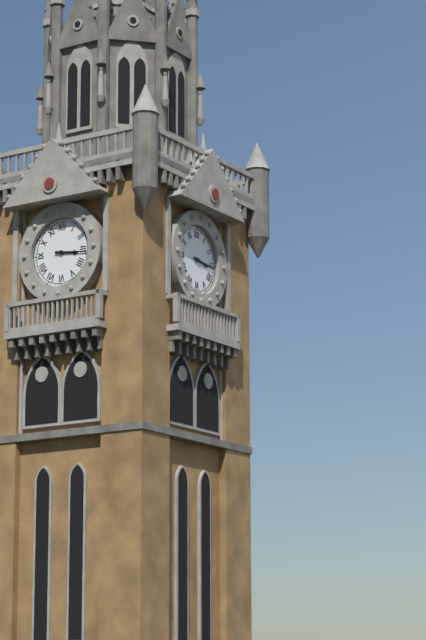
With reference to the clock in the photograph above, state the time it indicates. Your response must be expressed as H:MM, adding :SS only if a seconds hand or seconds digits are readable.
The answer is 3:16
